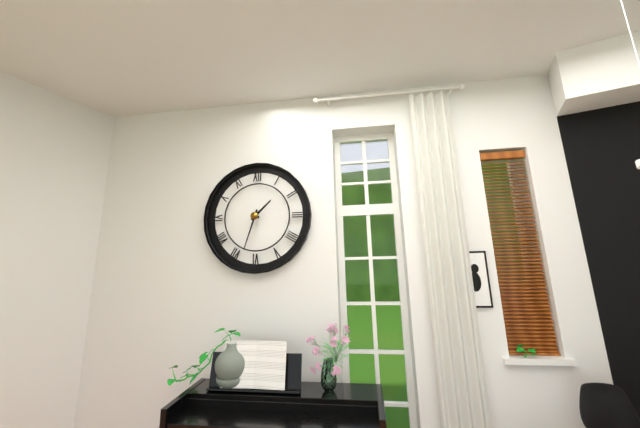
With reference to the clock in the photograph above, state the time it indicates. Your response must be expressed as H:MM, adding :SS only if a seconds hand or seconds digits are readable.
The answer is 1:33
